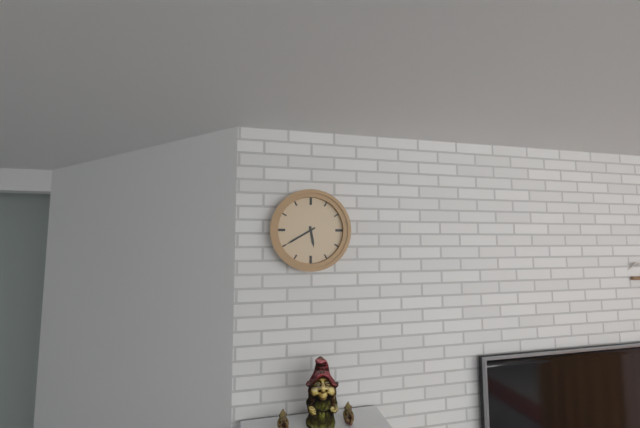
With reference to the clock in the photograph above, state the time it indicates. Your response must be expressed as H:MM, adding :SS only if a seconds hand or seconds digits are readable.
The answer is 5:40
